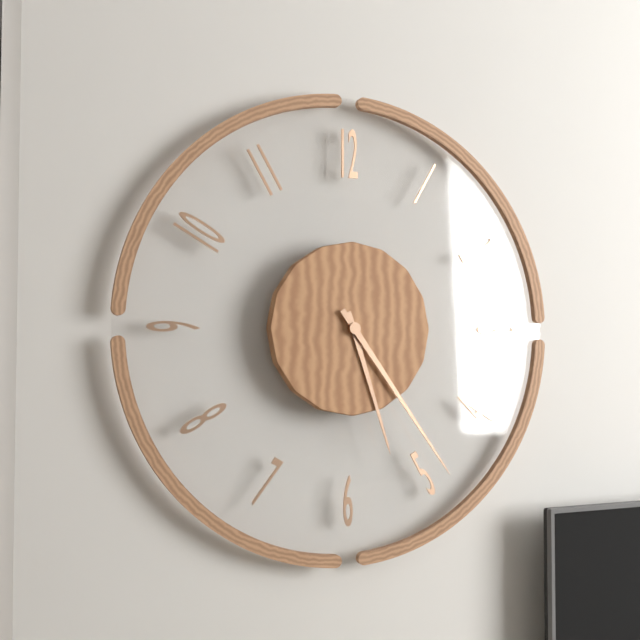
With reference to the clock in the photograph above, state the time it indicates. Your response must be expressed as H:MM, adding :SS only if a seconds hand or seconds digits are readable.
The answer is 5:24
